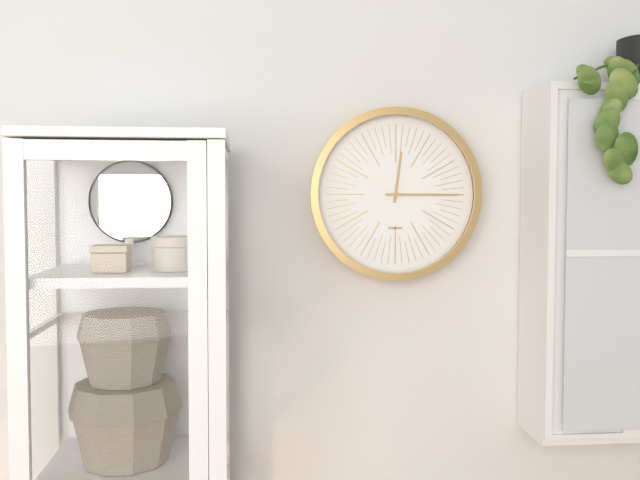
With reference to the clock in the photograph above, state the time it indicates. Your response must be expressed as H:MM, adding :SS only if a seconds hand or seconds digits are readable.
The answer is 12:15
